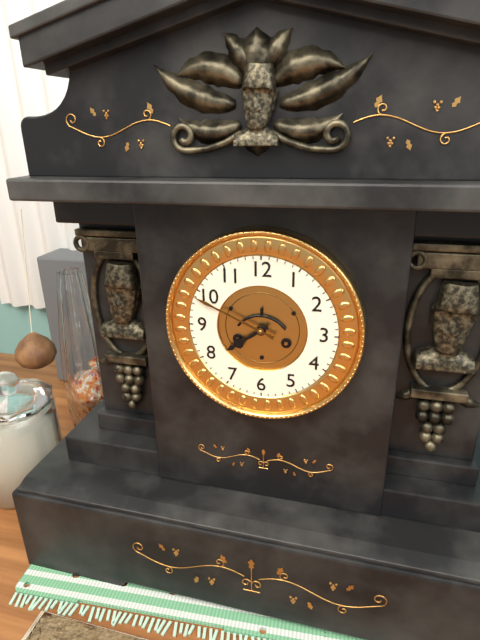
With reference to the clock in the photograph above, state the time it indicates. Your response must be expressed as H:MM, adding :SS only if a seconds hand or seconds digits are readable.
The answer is 7:49
